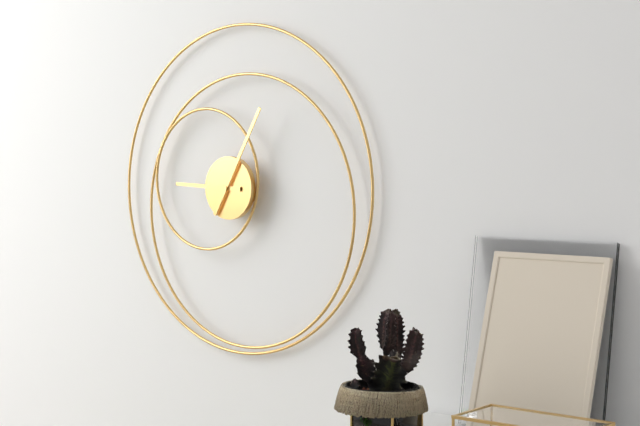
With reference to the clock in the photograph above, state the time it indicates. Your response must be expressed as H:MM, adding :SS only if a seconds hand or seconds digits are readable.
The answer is 9:05
